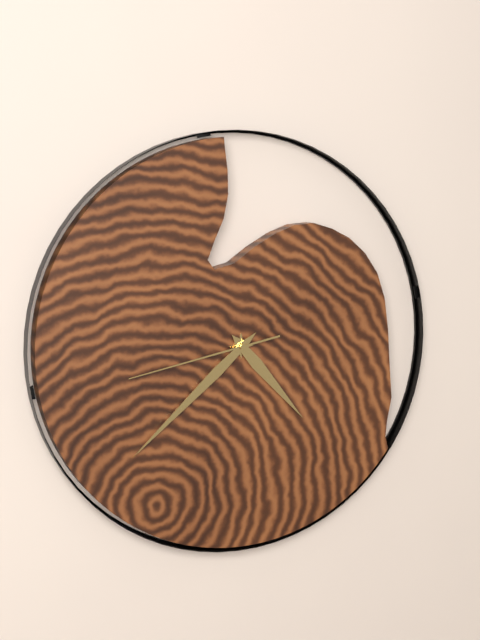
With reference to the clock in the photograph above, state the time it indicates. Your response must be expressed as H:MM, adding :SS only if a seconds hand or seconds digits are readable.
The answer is 4:38:43
